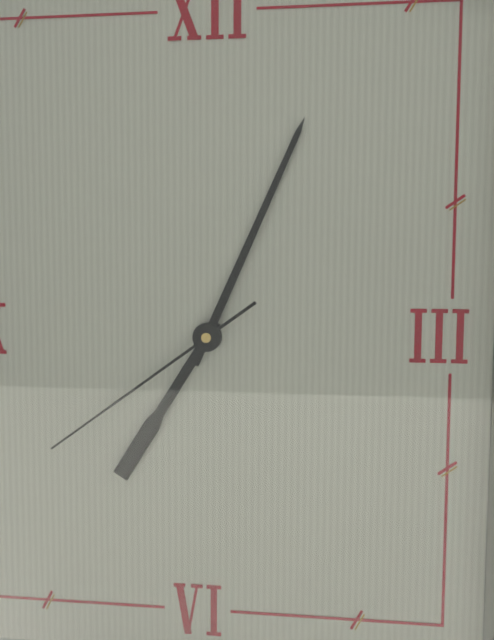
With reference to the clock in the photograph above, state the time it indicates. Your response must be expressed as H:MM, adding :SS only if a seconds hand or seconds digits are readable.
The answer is 7:04:39
